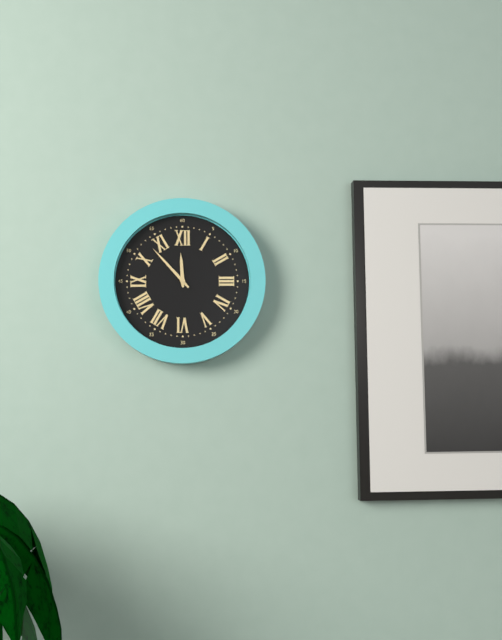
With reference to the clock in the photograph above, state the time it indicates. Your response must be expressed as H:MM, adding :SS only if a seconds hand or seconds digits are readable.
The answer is 11:53
